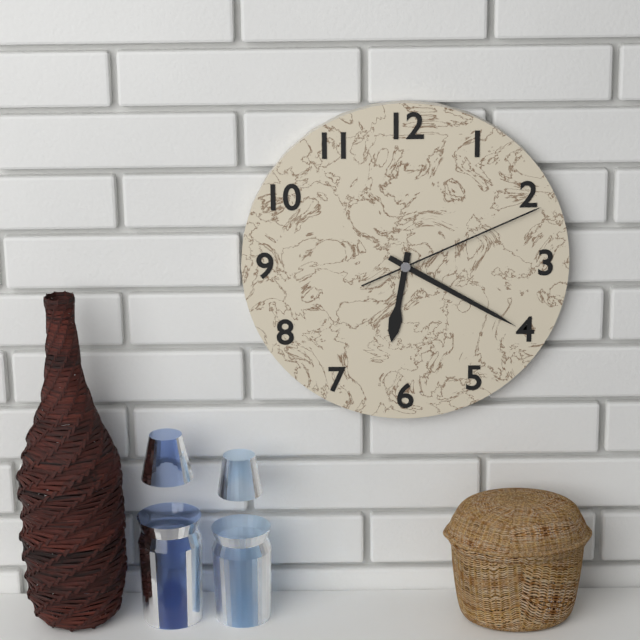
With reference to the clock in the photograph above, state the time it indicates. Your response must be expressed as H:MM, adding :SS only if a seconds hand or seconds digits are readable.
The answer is 6:20:11
